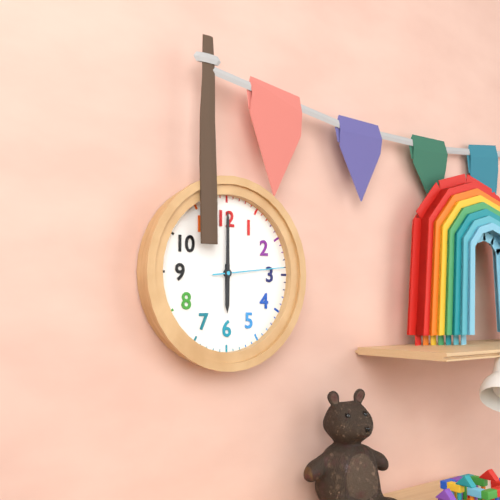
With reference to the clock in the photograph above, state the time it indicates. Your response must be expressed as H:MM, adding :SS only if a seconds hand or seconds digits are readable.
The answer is 6:00:14
